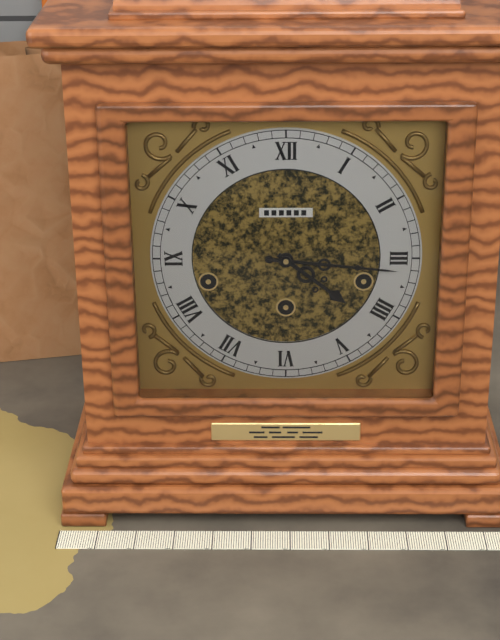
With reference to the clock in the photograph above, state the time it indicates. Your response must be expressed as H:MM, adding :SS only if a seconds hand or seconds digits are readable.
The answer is 4:16
